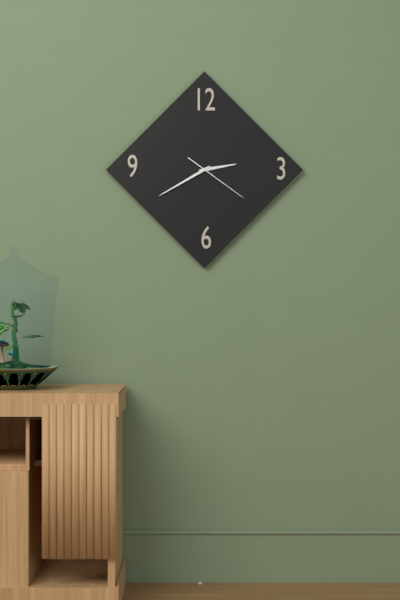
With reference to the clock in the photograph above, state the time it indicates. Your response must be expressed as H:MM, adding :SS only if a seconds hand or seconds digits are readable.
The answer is 2:40:21
